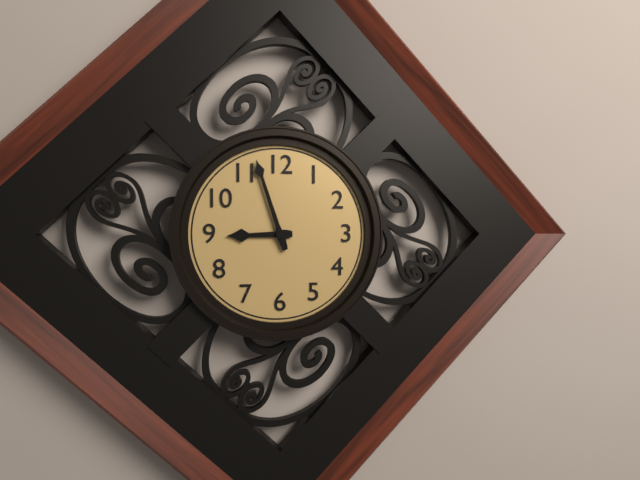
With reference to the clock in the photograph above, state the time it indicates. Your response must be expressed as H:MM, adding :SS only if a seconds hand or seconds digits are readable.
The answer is 8:57
